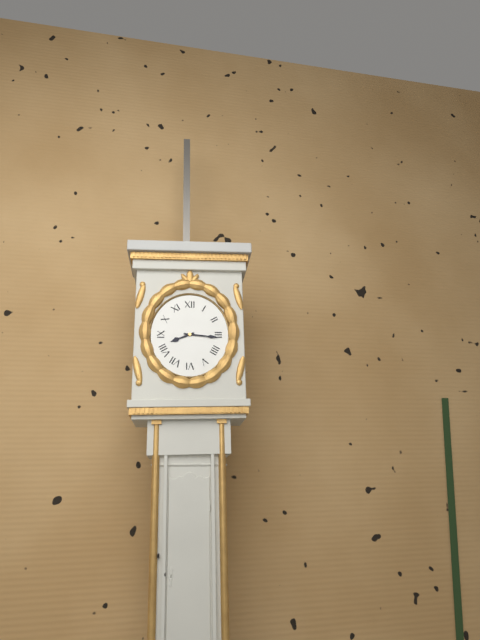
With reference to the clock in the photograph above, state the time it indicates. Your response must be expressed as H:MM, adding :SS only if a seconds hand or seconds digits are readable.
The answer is 8:16
